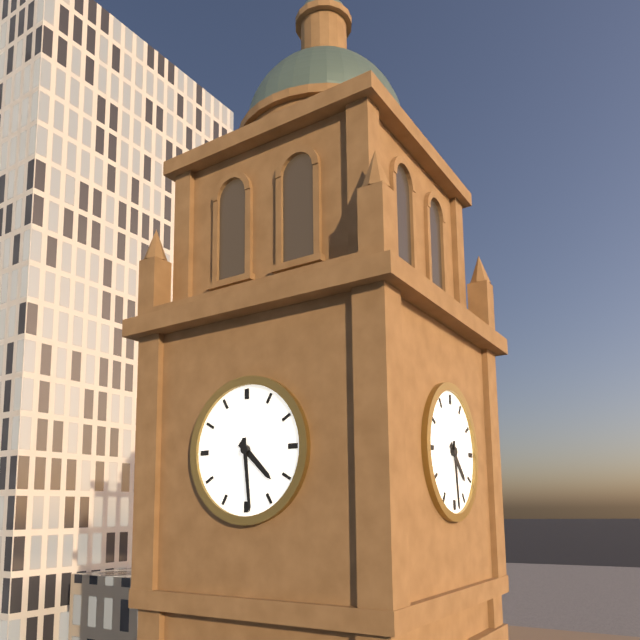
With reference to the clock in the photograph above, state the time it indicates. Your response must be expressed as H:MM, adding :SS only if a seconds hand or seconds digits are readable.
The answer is 4:29
